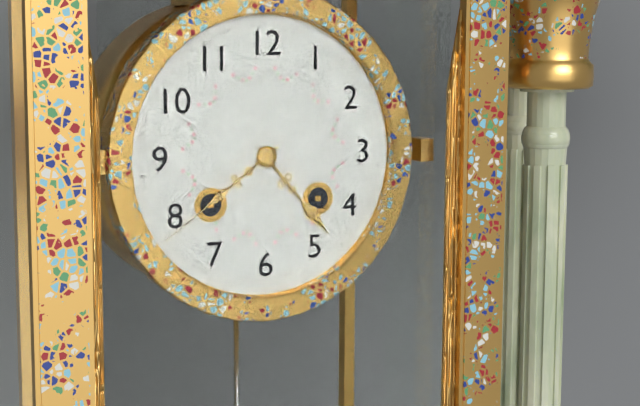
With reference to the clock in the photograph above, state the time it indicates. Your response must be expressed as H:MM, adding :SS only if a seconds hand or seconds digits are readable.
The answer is 4:39
